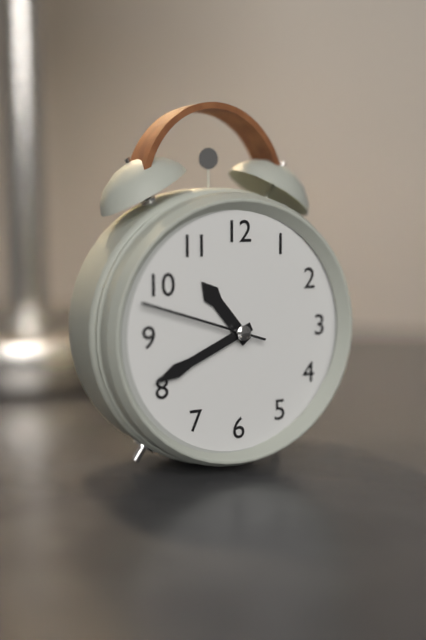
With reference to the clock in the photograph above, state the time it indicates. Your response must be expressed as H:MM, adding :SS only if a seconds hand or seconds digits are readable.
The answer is 10:41:48
